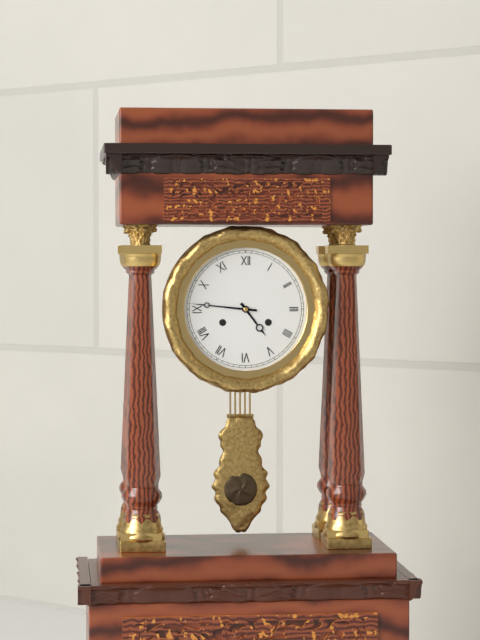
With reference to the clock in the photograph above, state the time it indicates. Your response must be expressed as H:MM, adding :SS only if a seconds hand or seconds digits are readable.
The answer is 4:46
